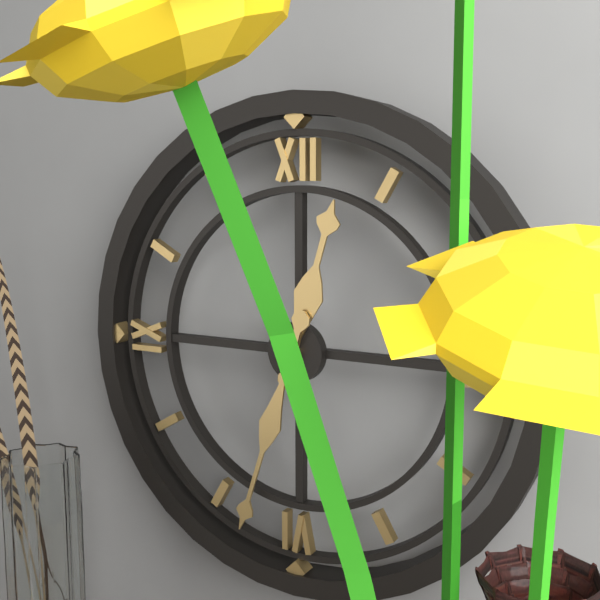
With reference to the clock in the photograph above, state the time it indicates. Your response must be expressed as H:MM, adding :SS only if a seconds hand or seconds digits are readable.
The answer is 12:33
